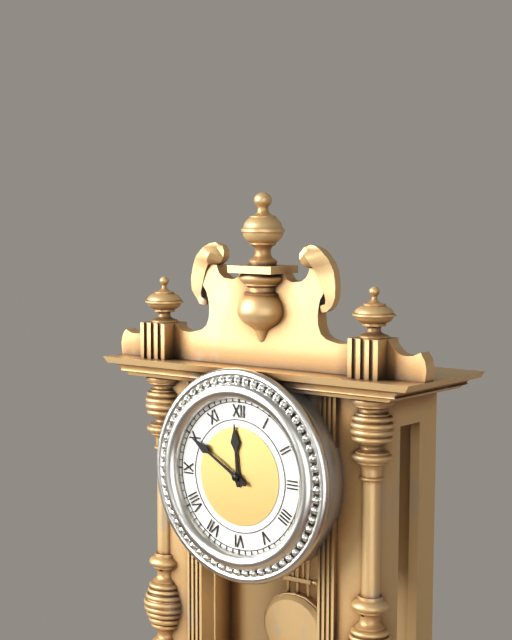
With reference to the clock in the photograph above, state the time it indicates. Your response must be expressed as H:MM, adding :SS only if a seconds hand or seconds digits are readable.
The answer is 11:50
